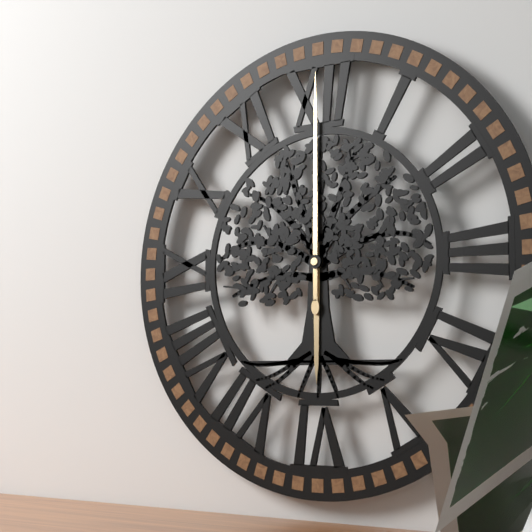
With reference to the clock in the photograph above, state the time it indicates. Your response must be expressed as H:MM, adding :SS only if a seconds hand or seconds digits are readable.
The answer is 6:00
